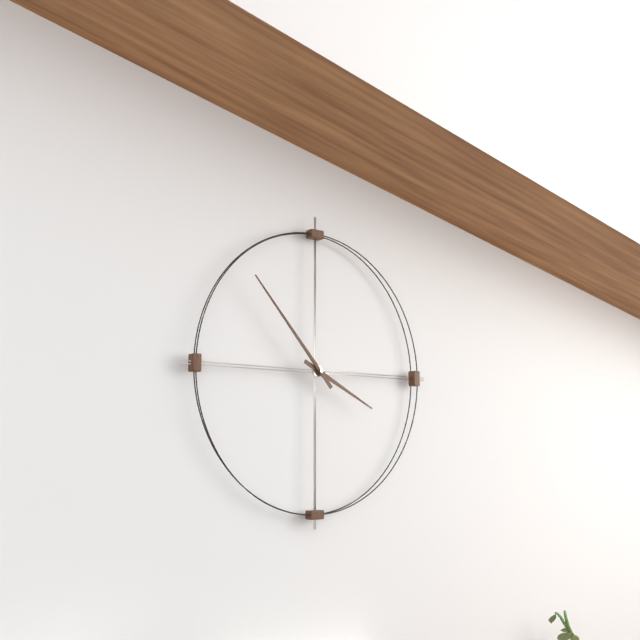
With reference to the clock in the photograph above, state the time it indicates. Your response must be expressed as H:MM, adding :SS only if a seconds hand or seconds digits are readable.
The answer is 3:53
